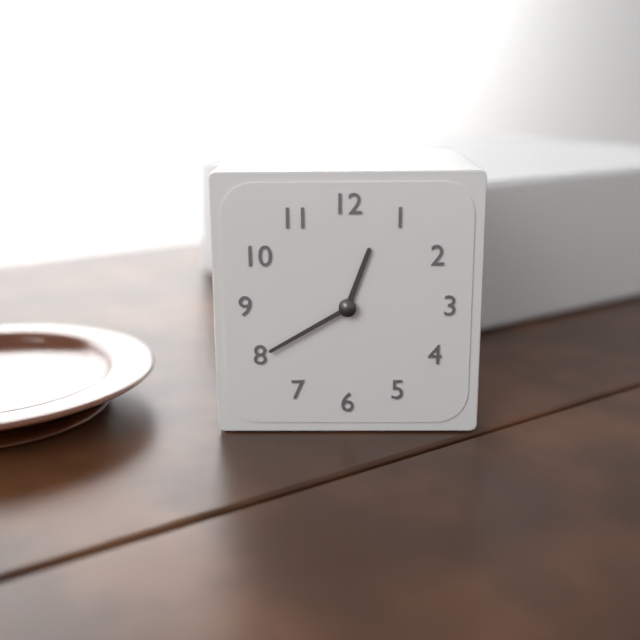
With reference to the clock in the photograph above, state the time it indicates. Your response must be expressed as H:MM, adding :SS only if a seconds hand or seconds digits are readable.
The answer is 12:40
